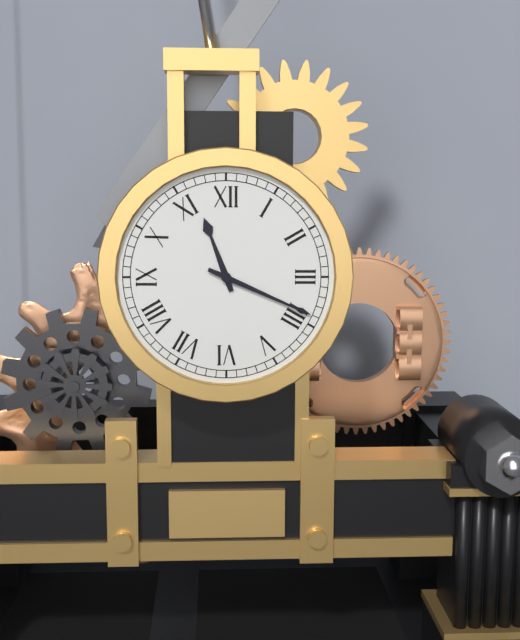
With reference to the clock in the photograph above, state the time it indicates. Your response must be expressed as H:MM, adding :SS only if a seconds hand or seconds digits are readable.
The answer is 11:19
